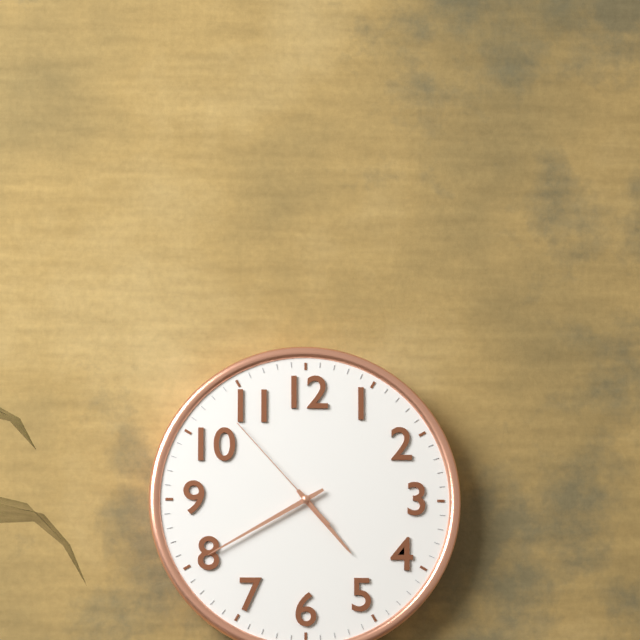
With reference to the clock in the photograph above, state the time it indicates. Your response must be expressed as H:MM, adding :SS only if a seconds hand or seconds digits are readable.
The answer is 4:40:53
